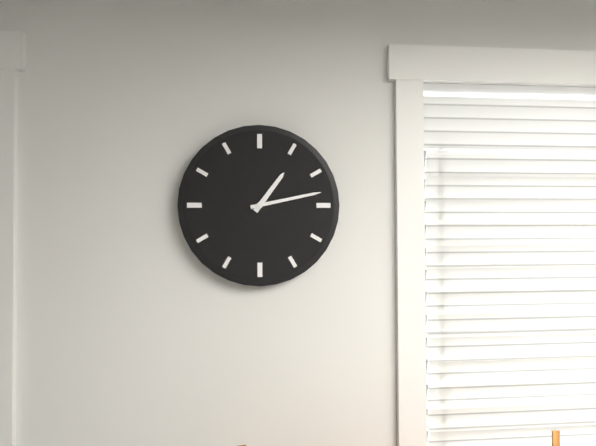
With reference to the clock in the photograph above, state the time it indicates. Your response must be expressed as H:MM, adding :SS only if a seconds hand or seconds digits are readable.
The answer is 1:13
